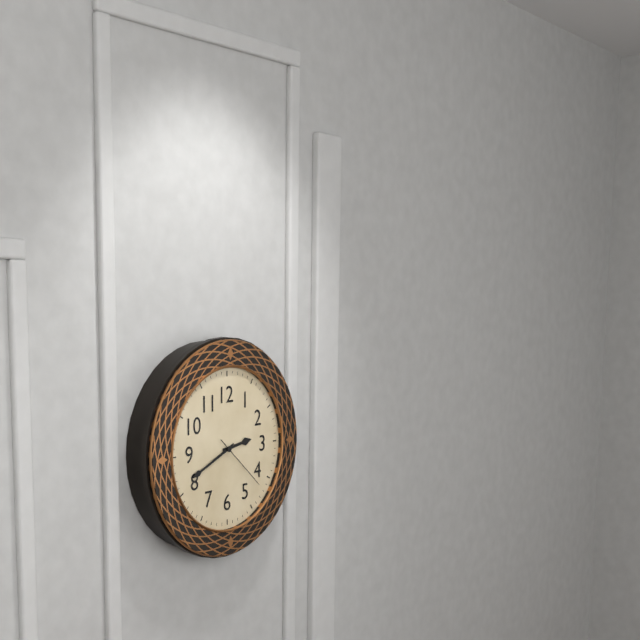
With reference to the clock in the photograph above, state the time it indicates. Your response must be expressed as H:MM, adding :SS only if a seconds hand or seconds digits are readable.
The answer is 2:41:22
